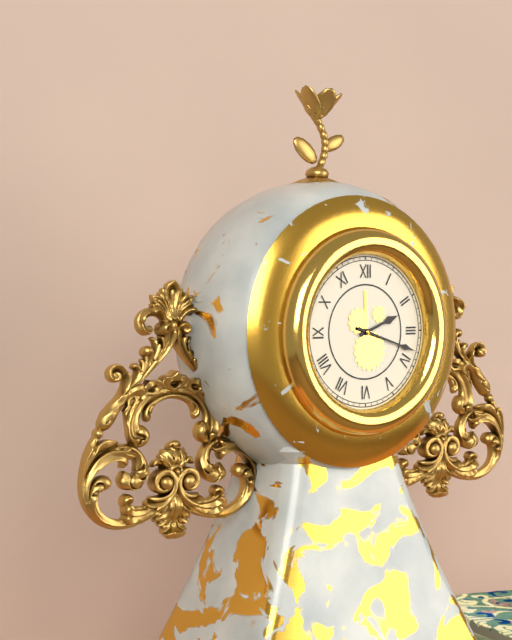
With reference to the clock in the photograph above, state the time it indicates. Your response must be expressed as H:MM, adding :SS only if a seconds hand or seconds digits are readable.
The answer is 2:18
